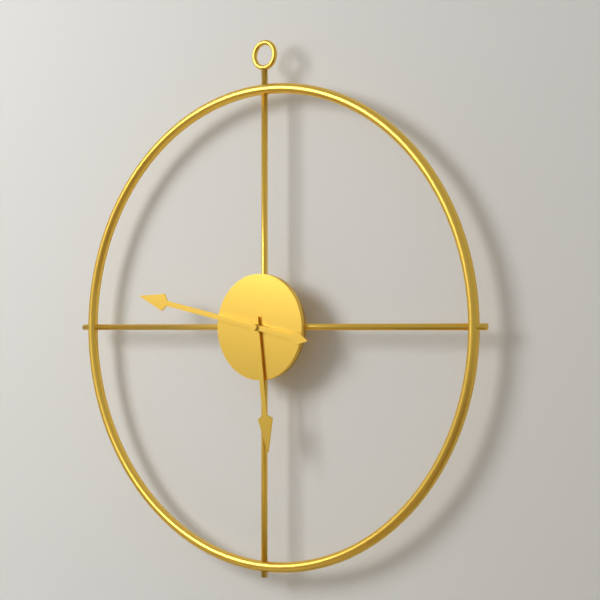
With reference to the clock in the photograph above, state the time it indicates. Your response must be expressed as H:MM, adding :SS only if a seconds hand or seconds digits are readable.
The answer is 5:47
